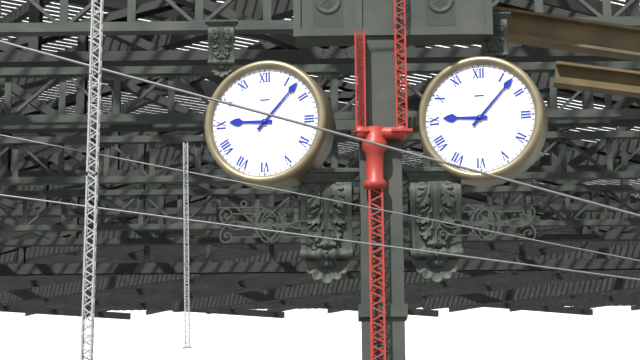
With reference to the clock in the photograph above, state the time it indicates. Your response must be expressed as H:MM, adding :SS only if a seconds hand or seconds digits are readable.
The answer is 9:07
